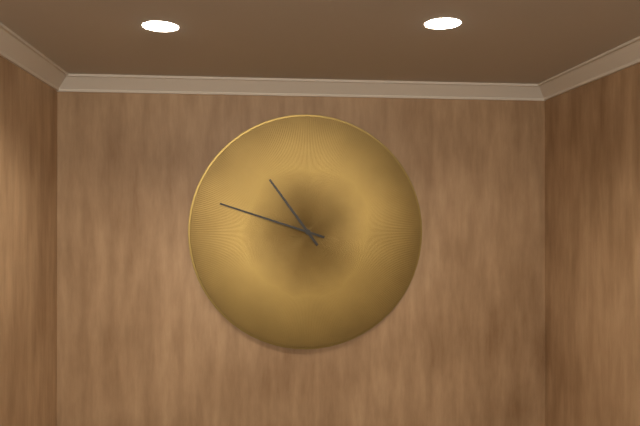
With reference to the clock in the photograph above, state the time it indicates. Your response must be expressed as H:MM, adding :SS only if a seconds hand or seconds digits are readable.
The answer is 10:48
